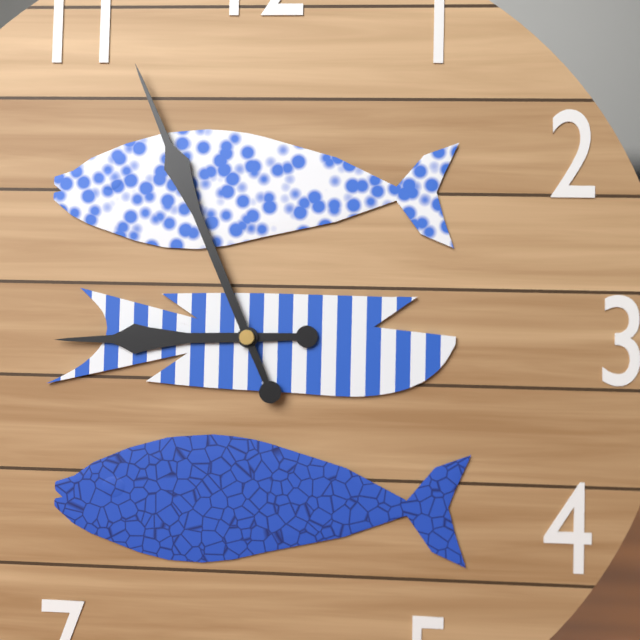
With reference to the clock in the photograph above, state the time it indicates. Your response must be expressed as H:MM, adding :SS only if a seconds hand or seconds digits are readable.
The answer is 8:56
